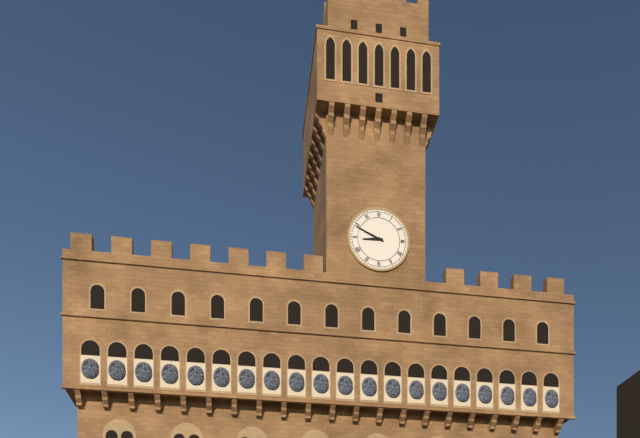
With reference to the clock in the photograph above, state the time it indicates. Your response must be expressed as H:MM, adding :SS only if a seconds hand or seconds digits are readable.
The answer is 8:49
